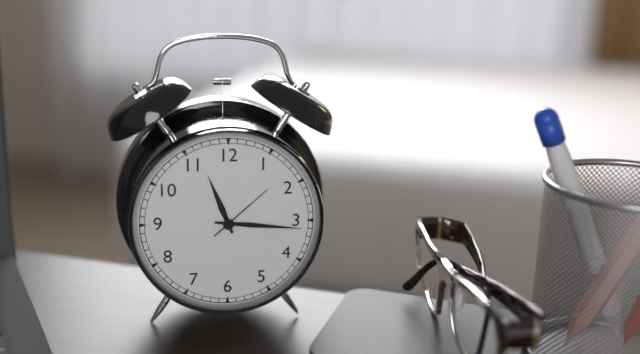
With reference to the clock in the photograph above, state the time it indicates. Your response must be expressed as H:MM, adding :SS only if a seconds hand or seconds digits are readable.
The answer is 11:16:08
